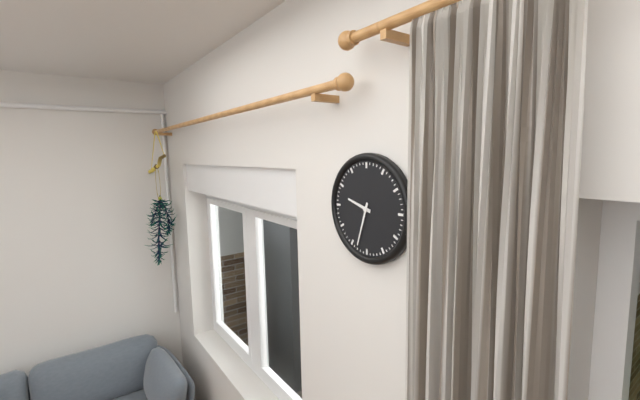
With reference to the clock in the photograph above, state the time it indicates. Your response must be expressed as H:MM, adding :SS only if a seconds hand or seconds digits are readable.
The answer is 9:33
